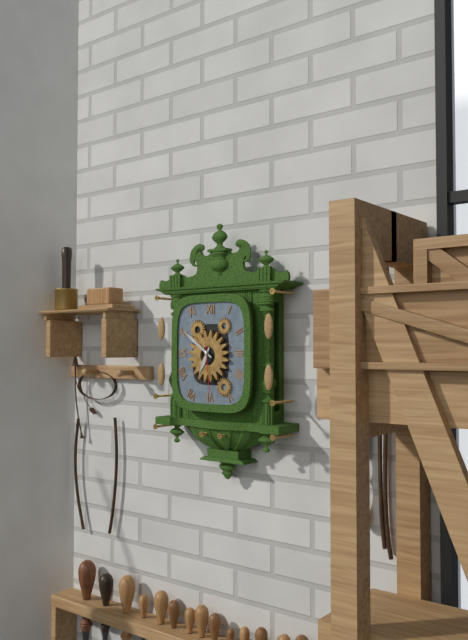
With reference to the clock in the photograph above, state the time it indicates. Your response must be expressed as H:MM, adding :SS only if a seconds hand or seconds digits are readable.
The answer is 6:51
